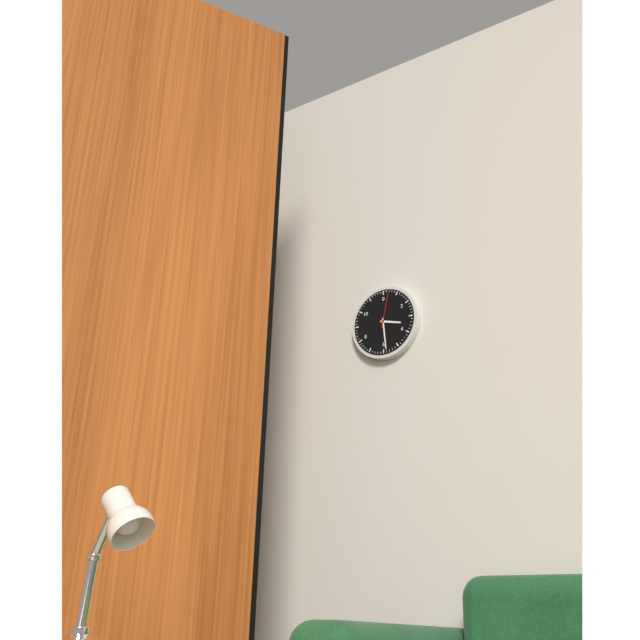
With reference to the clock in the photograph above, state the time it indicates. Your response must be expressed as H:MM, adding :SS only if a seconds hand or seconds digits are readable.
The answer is 3:29
